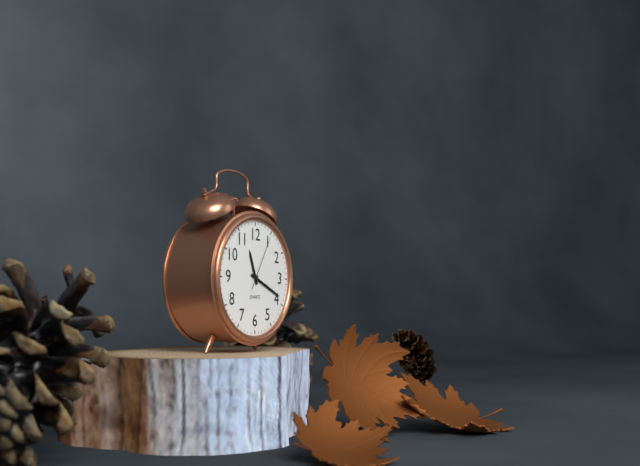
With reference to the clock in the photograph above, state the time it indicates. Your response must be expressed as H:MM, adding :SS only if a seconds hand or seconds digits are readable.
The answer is 11:19:05
